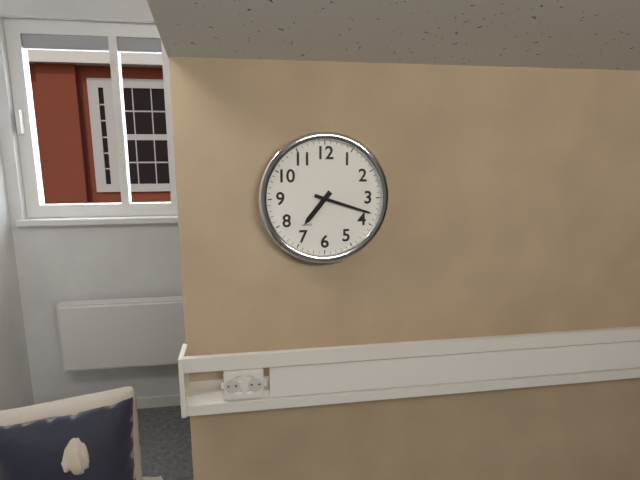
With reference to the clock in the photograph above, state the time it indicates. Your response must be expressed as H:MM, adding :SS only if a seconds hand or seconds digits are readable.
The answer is 7:18
